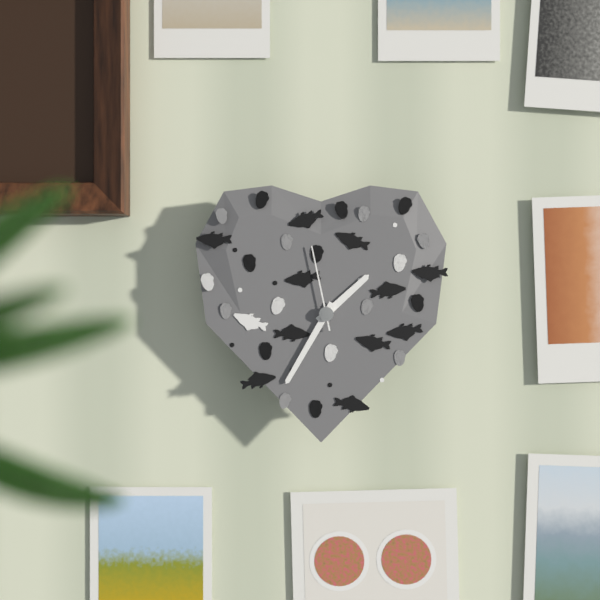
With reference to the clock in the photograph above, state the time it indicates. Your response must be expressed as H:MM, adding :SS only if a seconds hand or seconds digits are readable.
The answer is 1:35:58
